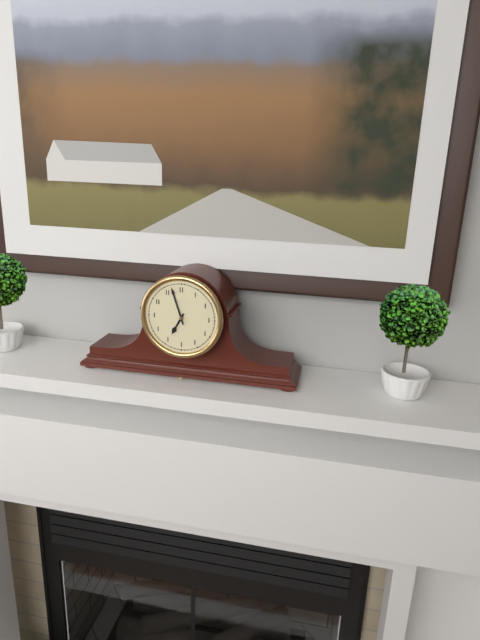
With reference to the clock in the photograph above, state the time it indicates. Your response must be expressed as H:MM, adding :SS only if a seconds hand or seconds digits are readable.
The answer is 6:57
